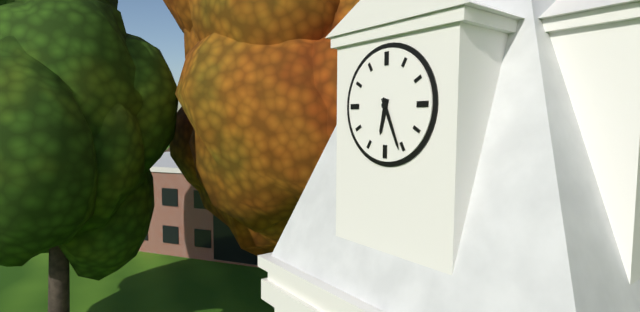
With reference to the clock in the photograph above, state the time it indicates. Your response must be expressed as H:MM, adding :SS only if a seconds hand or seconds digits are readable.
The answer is 6:26
